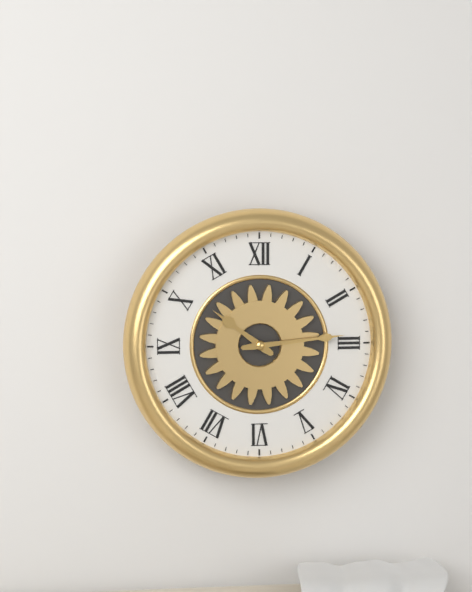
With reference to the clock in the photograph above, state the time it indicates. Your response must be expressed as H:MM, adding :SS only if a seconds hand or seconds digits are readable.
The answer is 10:14
